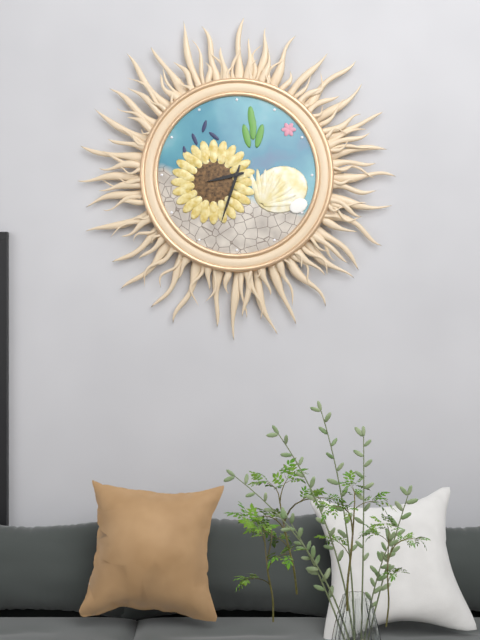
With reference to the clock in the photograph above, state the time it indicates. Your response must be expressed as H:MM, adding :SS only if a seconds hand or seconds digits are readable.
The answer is 8:33
